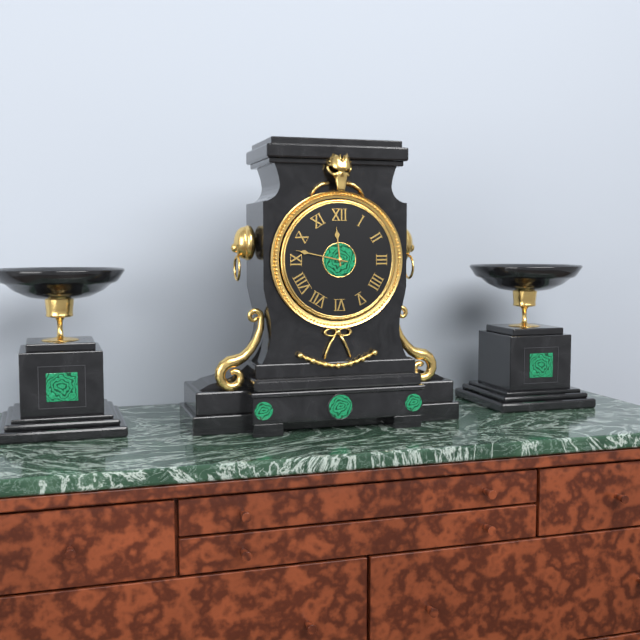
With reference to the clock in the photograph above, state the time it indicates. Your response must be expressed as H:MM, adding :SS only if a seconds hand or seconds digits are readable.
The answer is 11:47
